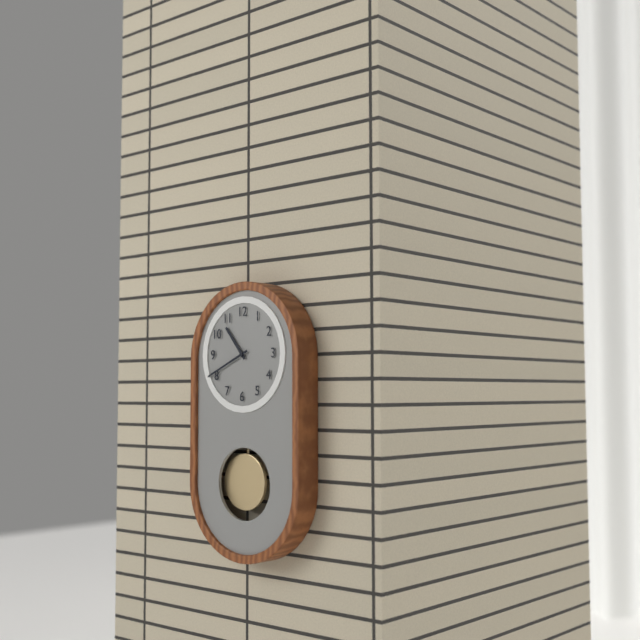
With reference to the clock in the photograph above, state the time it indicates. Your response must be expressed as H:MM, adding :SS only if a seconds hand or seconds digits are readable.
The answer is 10:41
